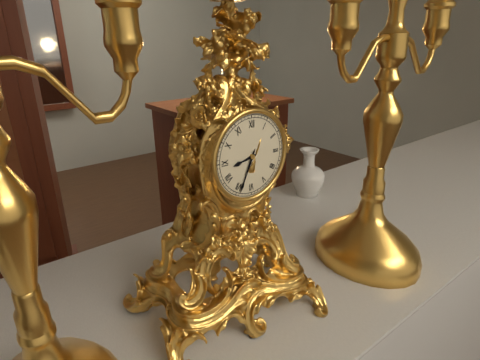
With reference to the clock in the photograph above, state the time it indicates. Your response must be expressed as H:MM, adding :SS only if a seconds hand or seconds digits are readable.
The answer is 8:34
